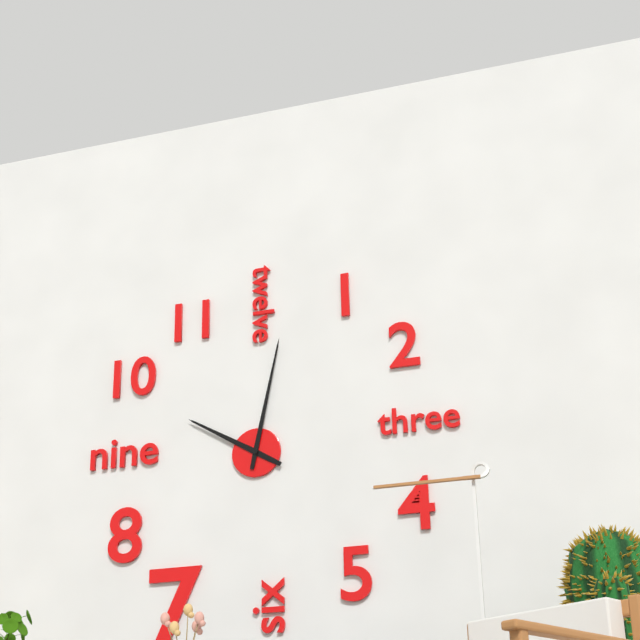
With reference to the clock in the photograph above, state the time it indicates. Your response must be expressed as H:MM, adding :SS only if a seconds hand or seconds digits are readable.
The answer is 10:02
